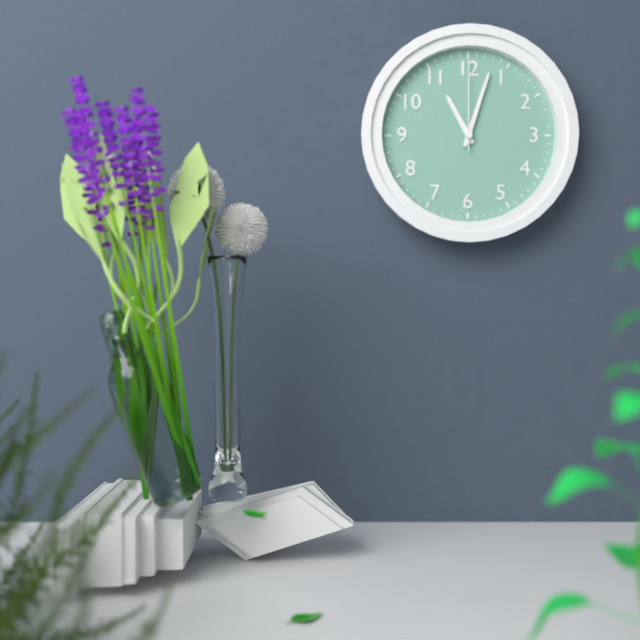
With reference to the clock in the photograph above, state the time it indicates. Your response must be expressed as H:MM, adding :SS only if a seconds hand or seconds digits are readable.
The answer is 11:03:00
